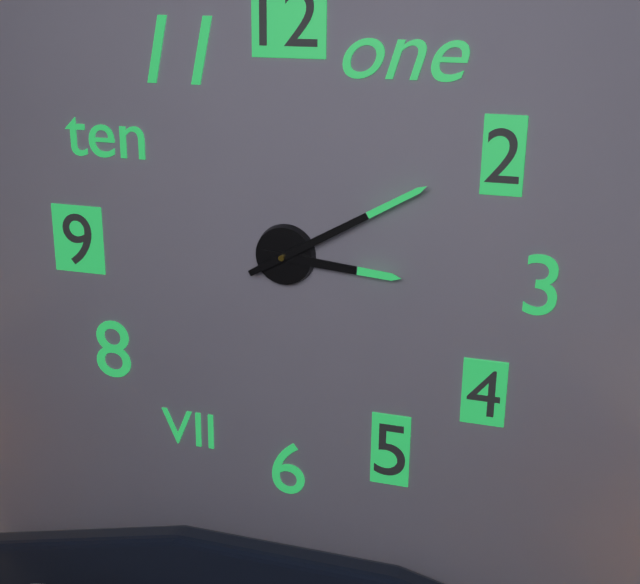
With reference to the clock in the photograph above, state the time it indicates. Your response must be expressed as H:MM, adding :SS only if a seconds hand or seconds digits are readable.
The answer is 3:10
